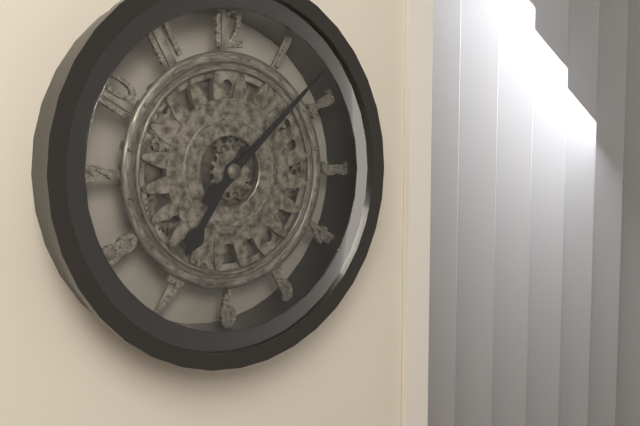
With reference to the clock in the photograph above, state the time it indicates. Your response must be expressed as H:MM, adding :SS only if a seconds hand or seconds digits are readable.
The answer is 7:08
